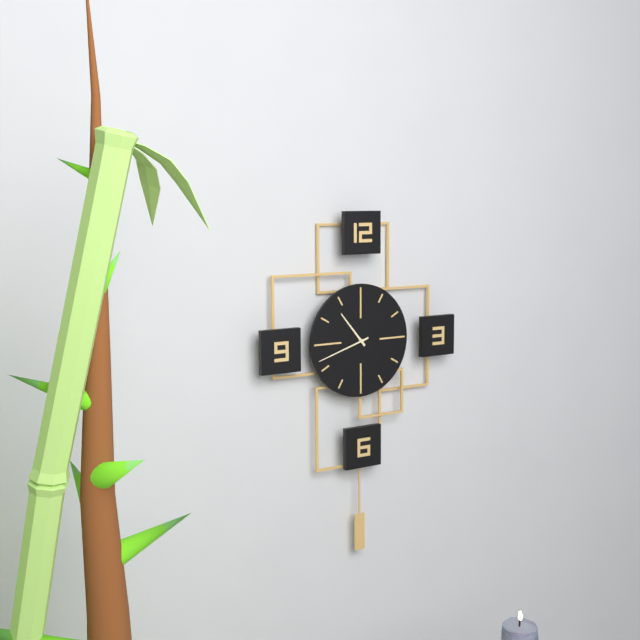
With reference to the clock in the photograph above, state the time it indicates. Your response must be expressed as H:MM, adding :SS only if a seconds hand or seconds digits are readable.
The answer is 10:42
